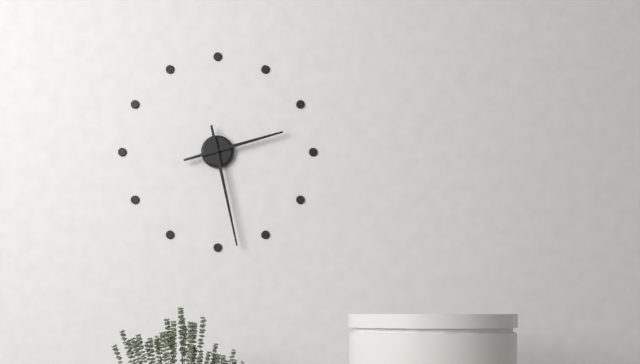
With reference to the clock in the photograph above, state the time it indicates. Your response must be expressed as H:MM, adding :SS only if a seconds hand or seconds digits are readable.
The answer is 2:28
